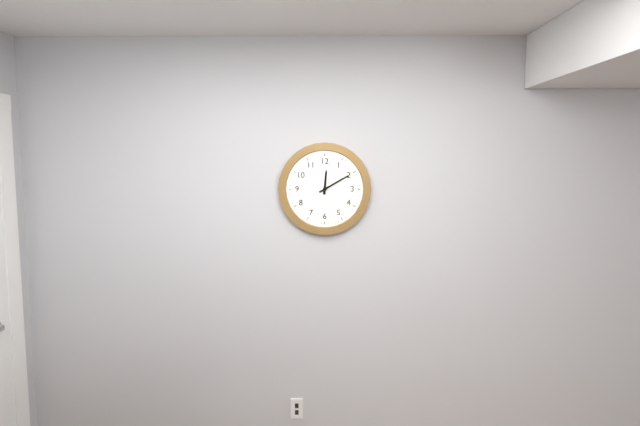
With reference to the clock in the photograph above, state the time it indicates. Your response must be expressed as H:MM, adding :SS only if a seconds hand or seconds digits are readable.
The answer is 12:10
